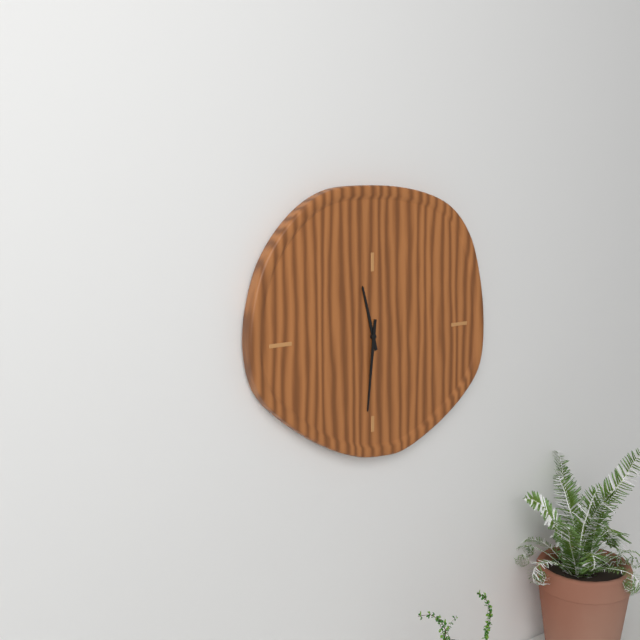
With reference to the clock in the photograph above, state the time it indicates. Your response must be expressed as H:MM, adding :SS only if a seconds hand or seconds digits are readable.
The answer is 11:31
